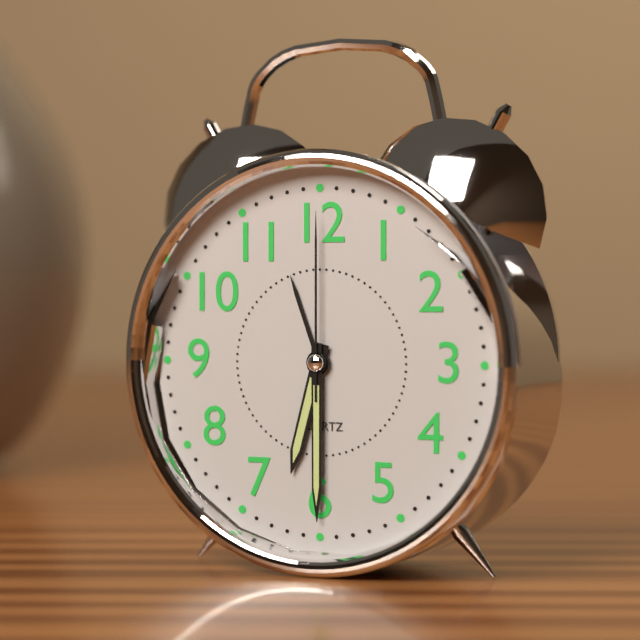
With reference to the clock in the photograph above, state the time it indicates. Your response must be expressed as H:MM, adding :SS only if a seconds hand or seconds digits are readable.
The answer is 6:30:00
